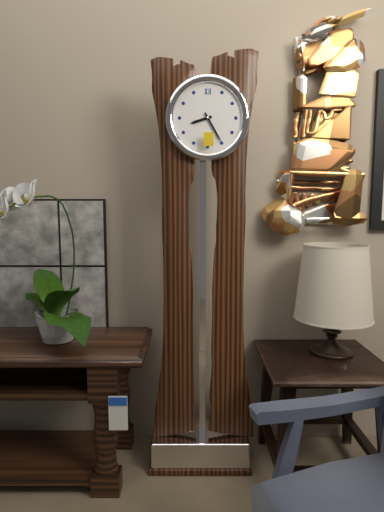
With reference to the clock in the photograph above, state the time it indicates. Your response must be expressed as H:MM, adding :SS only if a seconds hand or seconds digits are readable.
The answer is 8:25
